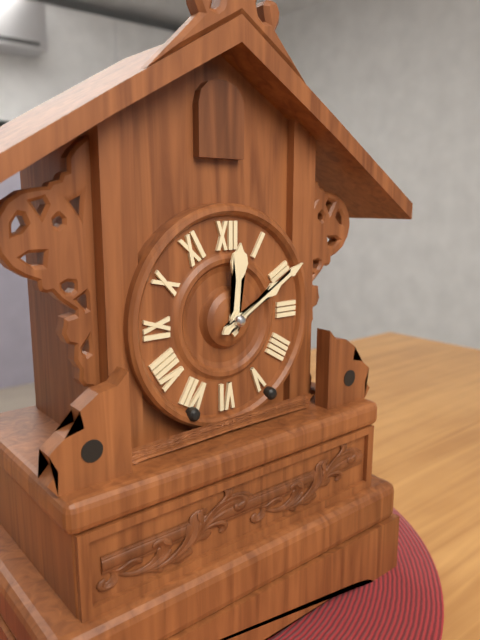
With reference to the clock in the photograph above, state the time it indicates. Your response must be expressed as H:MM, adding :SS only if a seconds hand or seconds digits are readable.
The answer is 12:10
